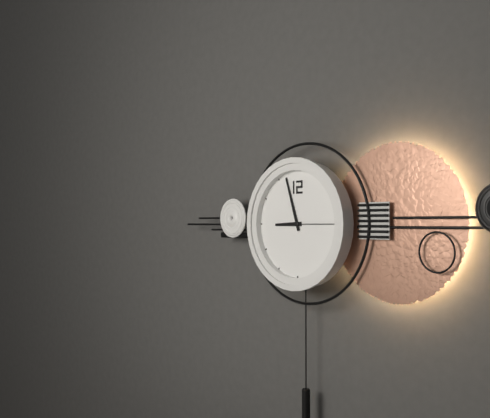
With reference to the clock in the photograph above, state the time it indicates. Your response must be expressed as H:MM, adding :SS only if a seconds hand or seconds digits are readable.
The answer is 8:57:15
